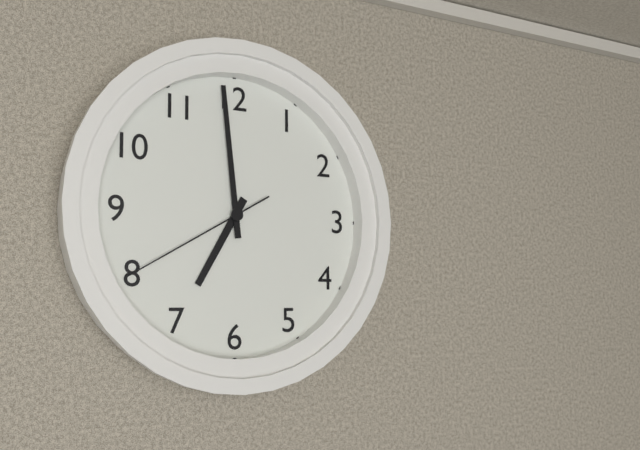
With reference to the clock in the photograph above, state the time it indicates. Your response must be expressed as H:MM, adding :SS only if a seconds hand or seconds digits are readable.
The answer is 6:59:40
